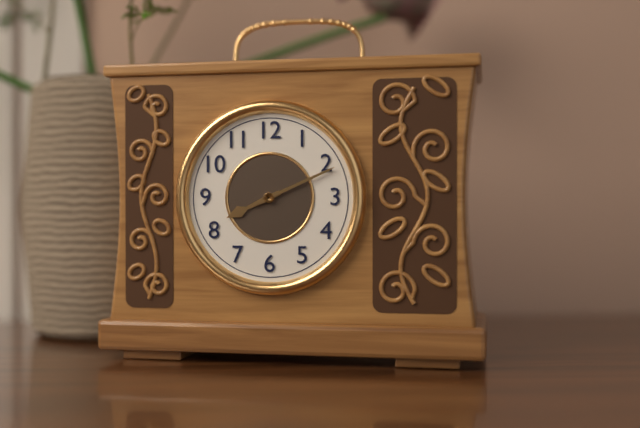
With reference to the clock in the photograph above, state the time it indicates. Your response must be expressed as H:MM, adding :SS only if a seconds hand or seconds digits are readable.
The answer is 8:11
